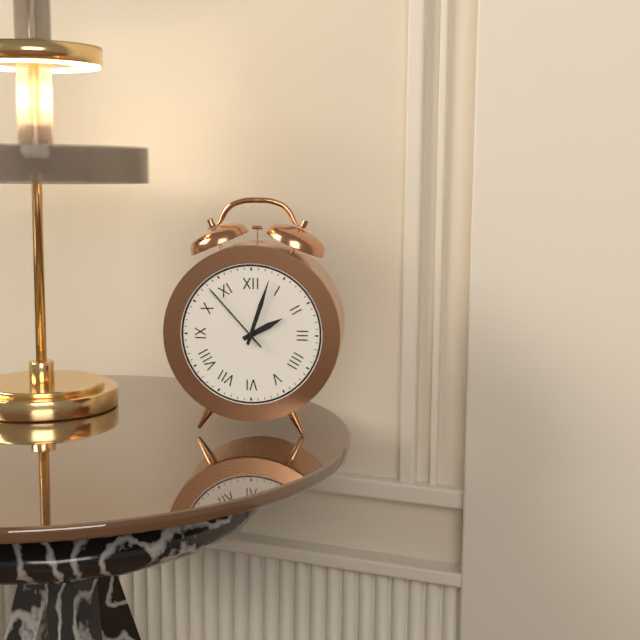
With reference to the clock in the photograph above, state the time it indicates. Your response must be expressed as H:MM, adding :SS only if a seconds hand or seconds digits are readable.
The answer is 2:03:53
